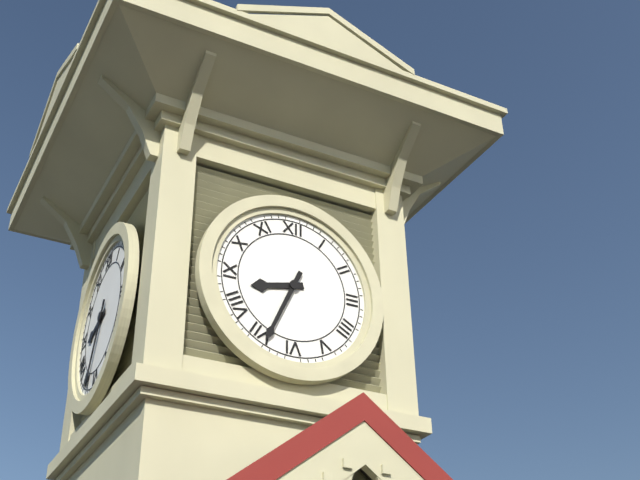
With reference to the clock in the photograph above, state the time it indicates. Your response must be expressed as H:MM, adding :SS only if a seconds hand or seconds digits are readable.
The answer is 8:34
